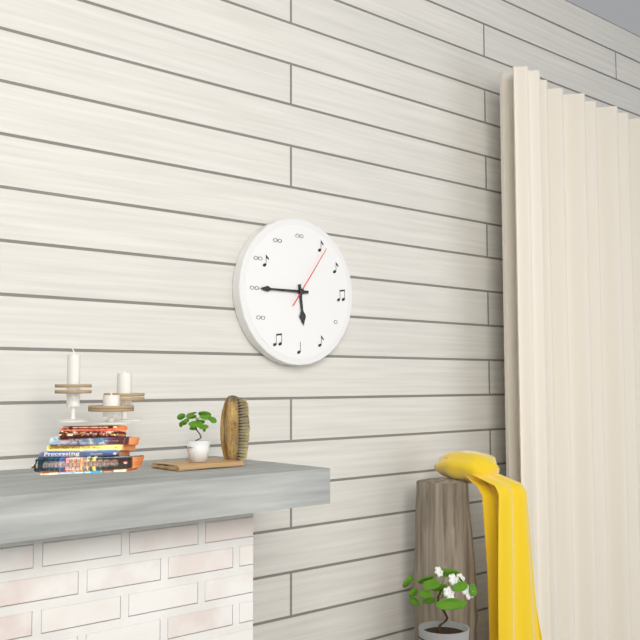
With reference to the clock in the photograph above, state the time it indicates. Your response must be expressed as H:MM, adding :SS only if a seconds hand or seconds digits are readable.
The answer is 5:45:06
